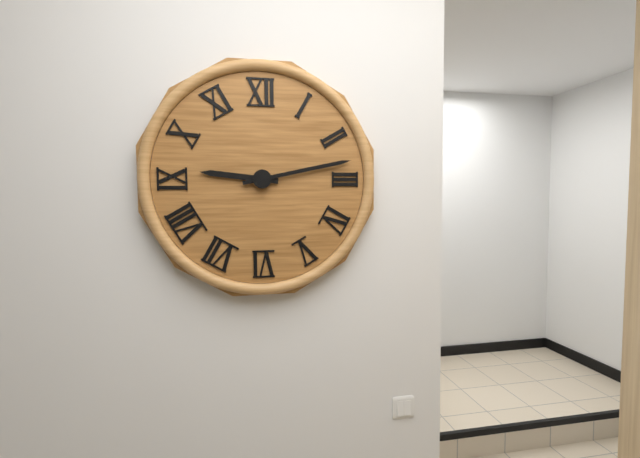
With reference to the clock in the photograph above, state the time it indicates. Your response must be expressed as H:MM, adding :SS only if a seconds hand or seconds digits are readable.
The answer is 9:13
